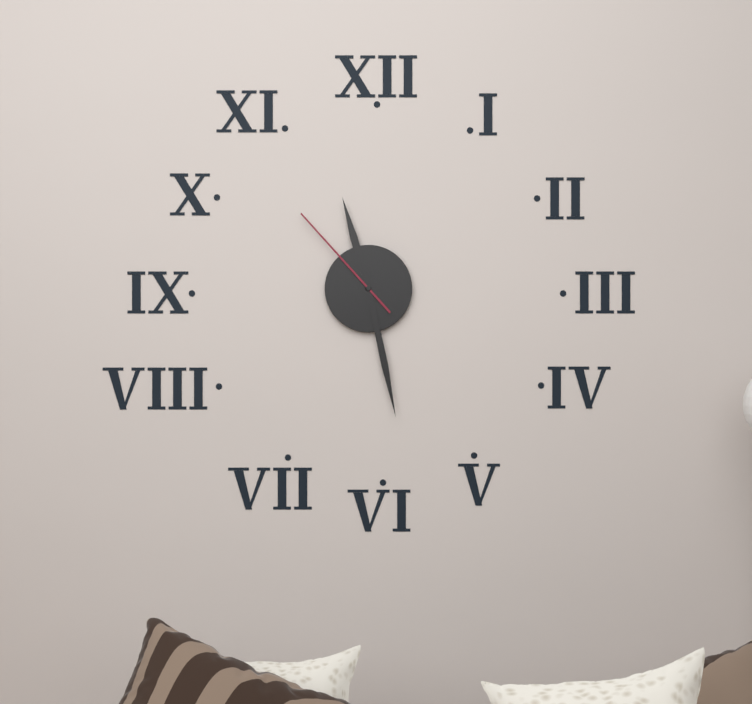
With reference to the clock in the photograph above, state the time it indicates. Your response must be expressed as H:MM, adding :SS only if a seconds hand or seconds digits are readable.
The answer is 11:28:53
